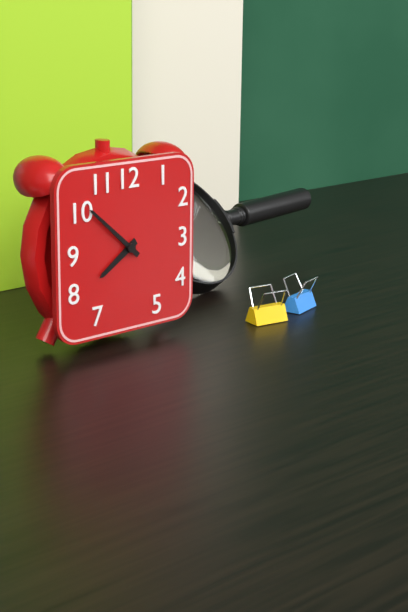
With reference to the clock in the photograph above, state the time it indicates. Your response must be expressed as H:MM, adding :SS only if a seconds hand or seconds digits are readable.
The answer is 7:52
